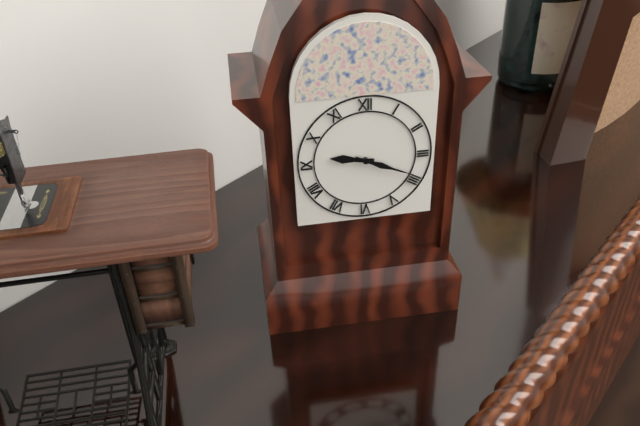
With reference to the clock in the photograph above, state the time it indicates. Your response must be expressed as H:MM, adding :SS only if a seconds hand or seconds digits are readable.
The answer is 9:19
